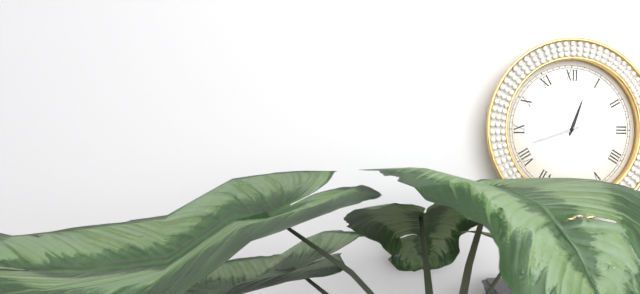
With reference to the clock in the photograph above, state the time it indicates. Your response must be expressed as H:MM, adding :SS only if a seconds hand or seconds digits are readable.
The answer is 12:42
